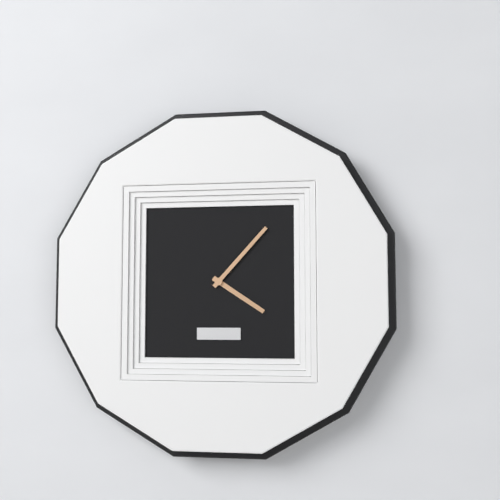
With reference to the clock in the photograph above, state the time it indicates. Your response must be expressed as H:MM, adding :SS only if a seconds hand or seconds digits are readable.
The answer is 4:07
